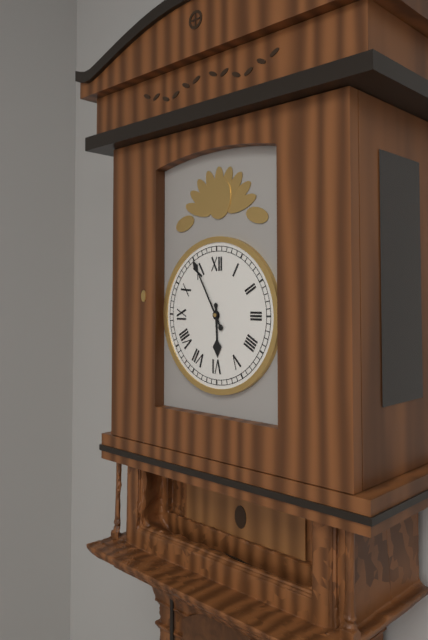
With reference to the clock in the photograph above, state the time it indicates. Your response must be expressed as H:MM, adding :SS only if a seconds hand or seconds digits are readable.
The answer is 5:55
